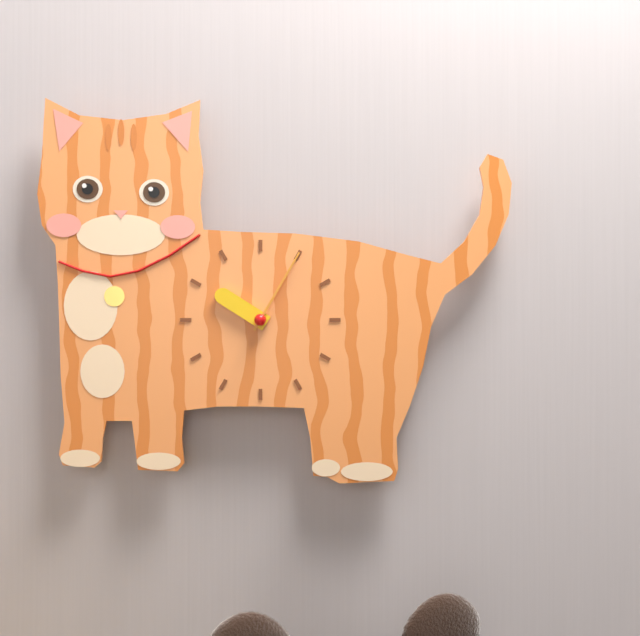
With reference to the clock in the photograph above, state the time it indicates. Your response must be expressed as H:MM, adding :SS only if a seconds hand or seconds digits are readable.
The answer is 10:05
